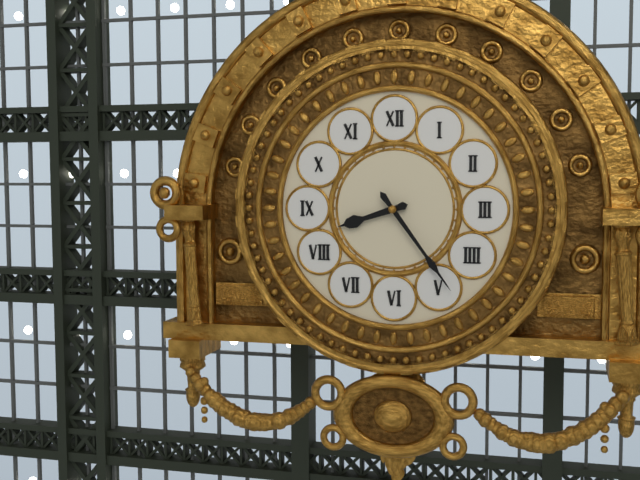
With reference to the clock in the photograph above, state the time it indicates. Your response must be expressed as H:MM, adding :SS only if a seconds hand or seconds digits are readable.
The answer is 8:24
